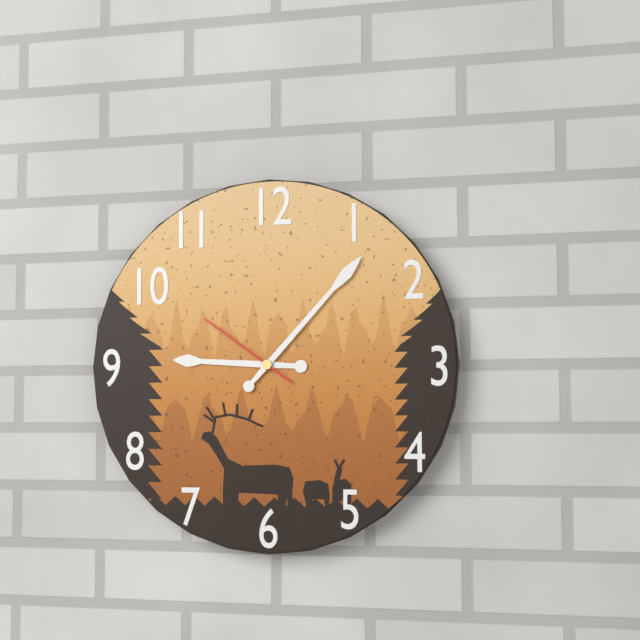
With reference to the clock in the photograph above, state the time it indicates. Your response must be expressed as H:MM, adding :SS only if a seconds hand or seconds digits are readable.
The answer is 9:07:51
